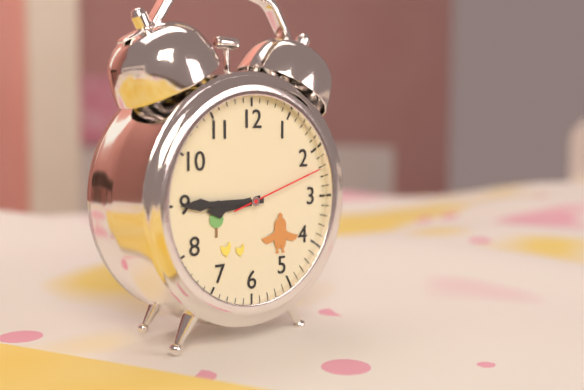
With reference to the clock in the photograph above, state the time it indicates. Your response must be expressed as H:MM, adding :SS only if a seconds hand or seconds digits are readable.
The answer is 8:45:12
